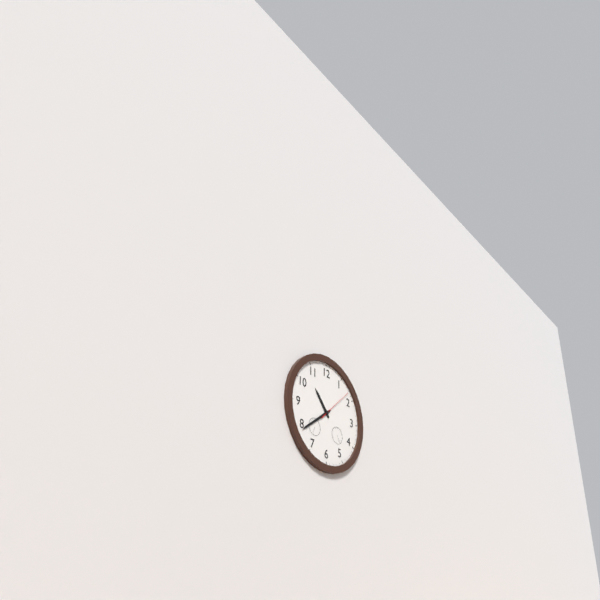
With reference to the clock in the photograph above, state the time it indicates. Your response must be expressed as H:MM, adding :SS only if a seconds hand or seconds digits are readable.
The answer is 10:39
